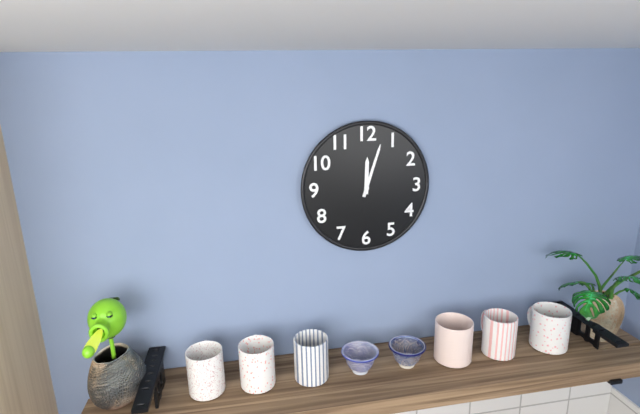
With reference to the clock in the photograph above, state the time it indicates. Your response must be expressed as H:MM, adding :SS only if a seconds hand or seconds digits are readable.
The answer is 12:03
